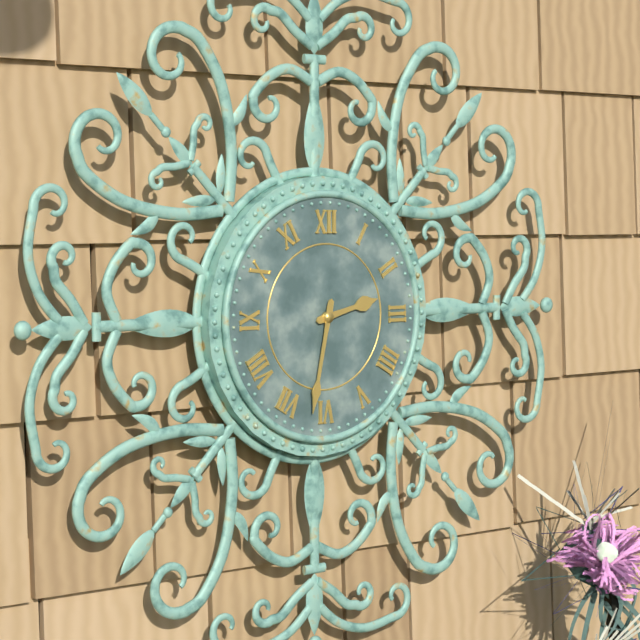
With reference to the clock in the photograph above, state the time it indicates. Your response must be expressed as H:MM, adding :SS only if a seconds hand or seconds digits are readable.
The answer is 2:32
